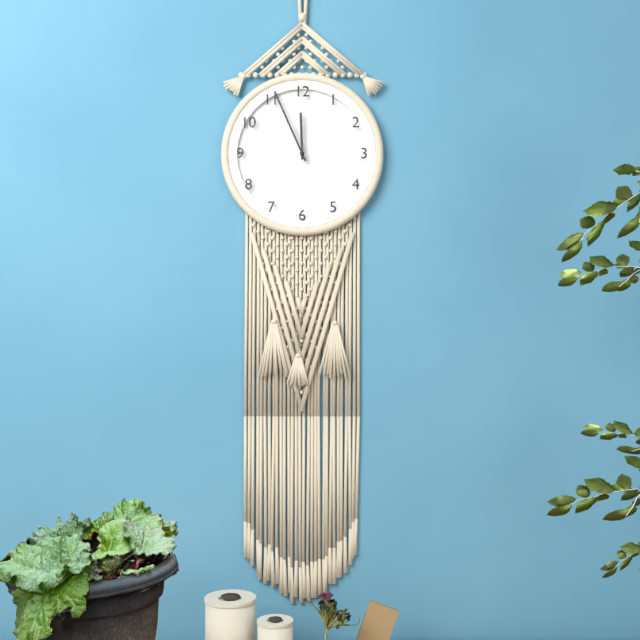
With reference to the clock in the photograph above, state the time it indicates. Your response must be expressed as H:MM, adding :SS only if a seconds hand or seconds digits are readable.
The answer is 11:56
